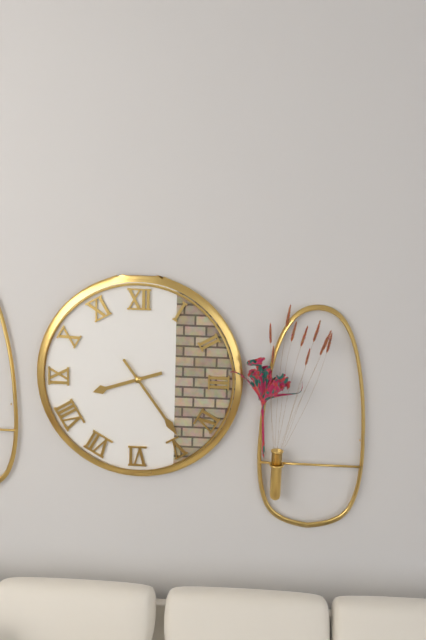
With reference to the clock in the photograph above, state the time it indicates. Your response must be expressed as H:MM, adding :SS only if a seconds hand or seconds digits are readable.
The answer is 8:24
